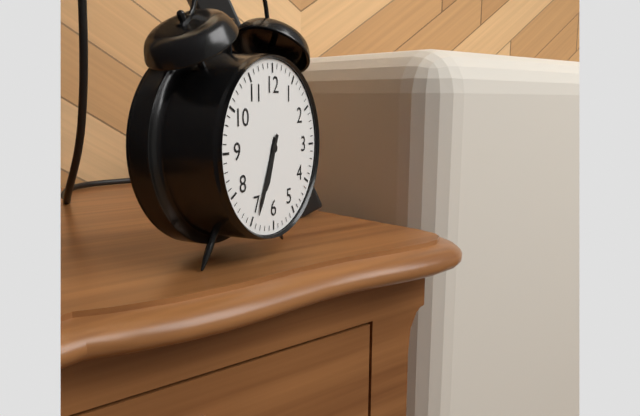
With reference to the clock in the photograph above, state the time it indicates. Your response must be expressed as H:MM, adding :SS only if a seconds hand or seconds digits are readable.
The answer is 6:34
